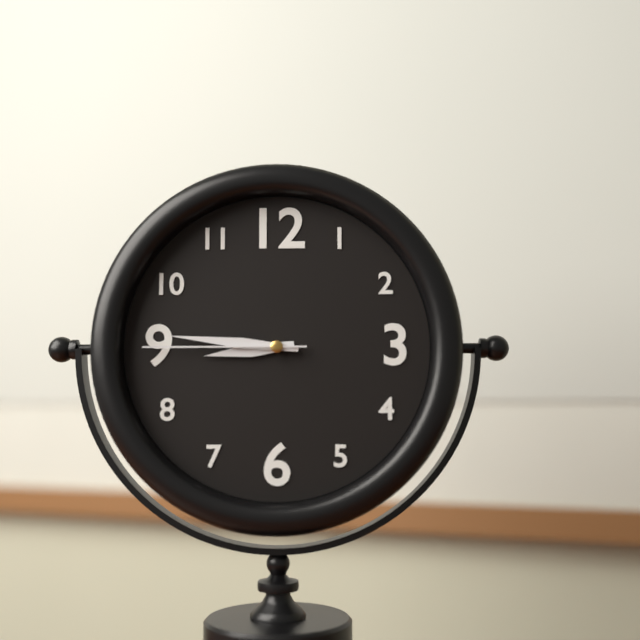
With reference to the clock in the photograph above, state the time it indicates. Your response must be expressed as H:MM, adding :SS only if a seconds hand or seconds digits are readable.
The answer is 8:46:45
